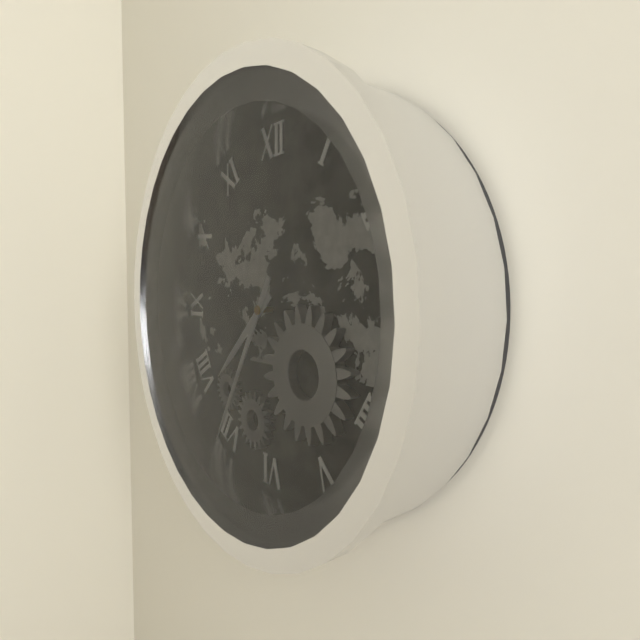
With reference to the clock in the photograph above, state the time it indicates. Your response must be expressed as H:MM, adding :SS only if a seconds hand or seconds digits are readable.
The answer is 7:35
